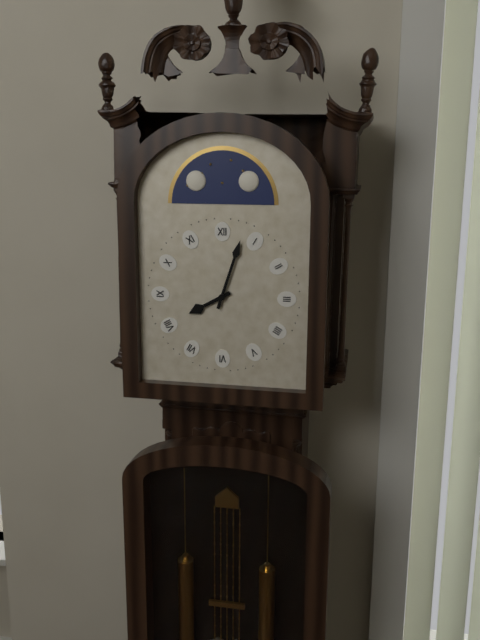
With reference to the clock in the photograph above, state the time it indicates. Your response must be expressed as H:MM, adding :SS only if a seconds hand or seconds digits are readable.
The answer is 8:03
